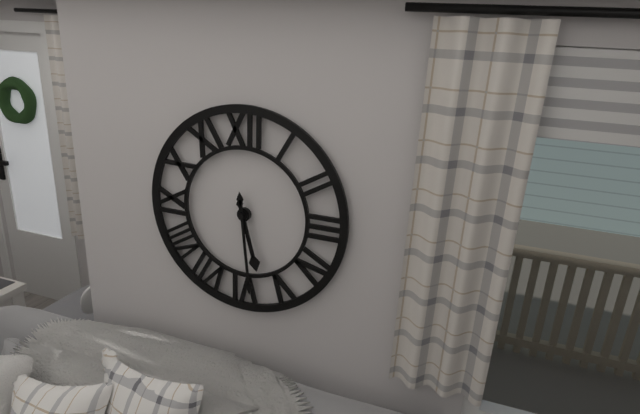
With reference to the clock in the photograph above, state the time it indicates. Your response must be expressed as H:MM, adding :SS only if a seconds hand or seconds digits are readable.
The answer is 5:29
